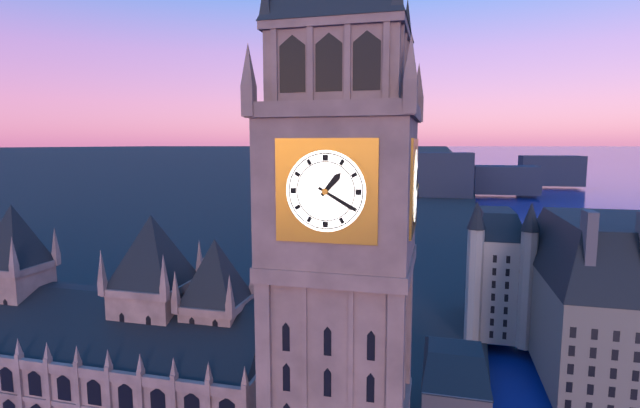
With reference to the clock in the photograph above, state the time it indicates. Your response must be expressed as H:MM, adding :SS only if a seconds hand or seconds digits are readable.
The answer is 1:20
